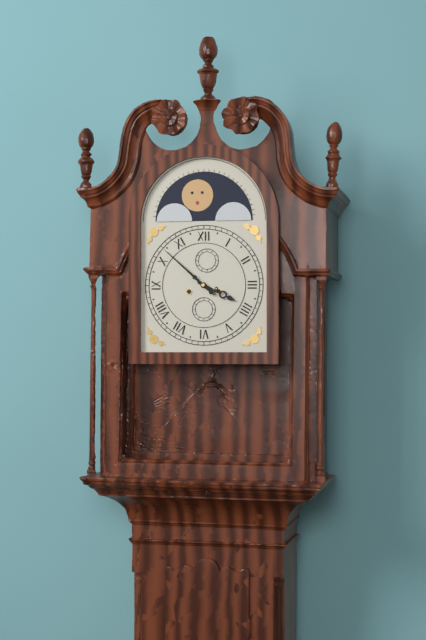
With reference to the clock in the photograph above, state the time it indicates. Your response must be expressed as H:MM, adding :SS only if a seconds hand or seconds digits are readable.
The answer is 3:52
